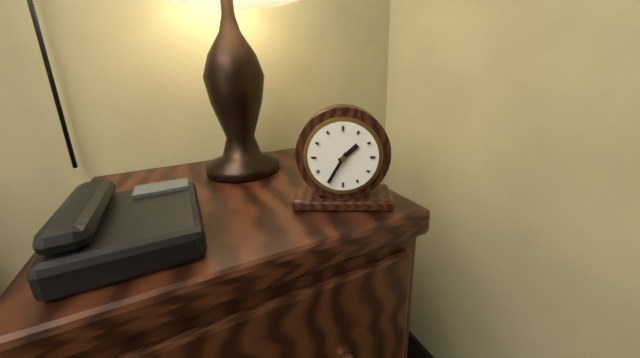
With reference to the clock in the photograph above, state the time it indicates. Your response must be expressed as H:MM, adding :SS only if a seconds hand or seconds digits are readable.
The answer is 1:35
